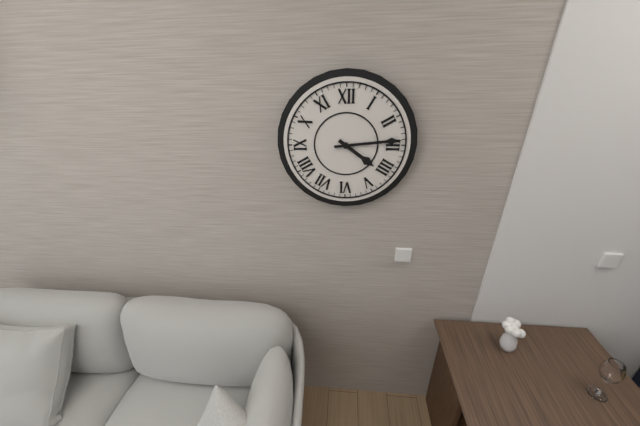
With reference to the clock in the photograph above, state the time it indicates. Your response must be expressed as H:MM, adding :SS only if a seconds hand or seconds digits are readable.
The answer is 4:14
